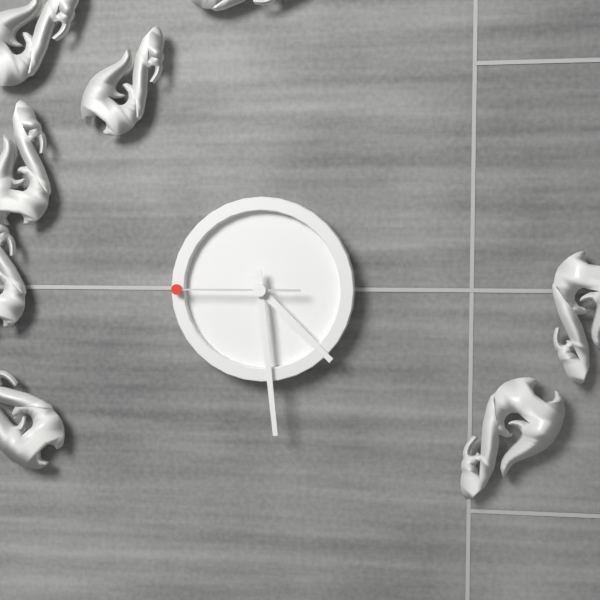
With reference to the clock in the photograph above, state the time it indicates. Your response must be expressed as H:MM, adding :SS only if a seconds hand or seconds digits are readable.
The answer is 4:29:45
